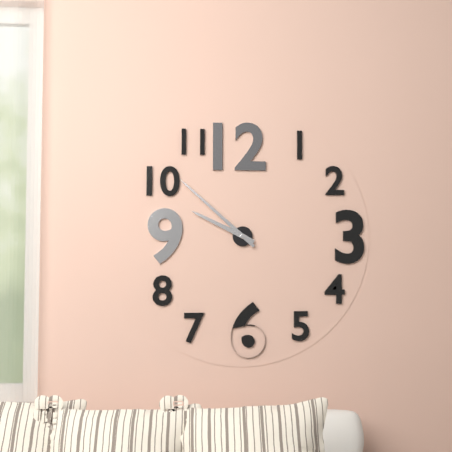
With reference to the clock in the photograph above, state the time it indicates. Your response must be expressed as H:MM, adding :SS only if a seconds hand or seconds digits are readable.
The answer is 9:52
